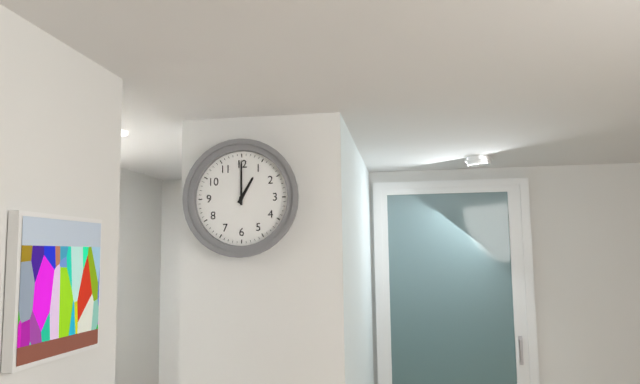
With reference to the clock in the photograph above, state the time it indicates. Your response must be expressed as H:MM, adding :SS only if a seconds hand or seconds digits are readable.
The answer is 1:00
